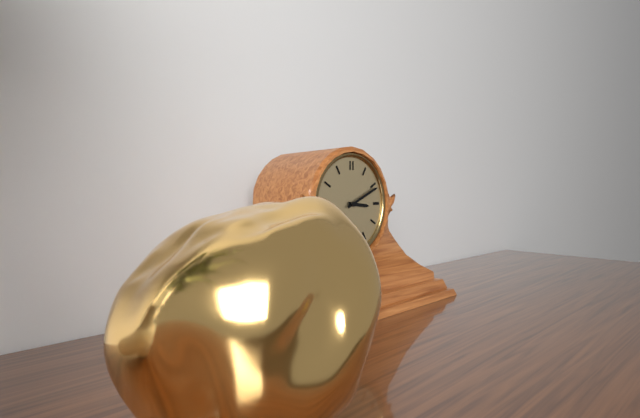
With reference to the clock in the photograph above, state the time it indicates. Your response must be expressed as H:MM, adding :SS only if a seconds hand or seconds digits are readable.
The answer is 3:11
